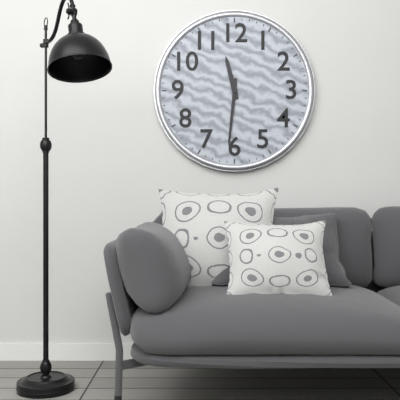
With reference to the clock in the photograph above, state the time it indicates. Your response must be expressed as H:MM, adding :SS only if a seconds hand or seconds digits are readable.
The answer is 11:31
